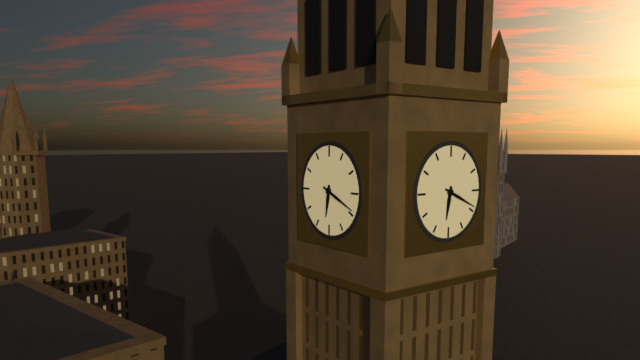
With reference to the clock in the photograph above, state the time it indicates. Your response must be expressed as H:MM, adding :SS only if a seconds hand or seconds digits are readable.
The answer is 6:19
